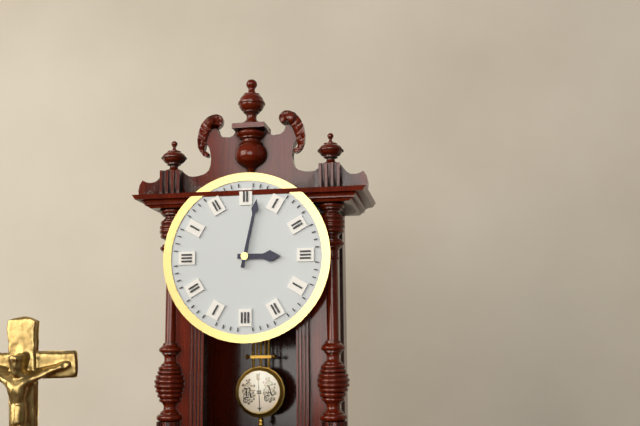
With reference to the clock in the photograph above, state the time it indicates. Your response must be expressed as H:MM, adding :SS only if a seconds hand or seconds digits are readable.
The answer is 3:02
